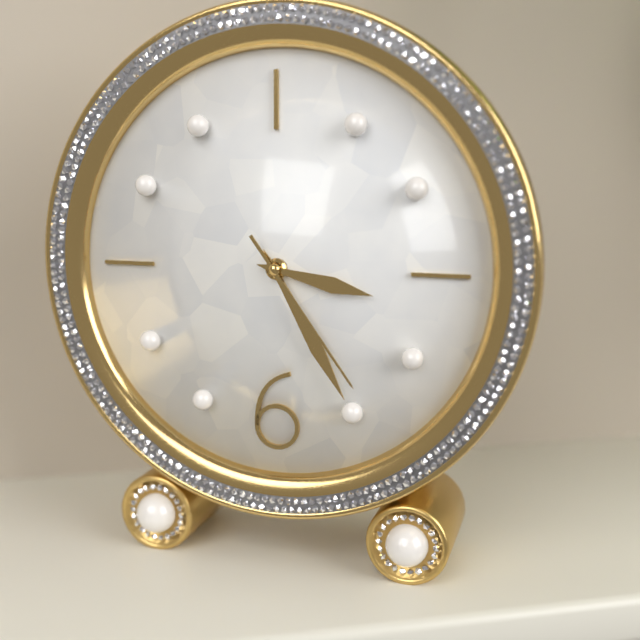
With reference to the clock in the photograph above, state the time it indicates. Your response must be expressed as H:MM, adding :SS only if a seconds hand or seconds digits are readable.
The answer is 3:25:24
